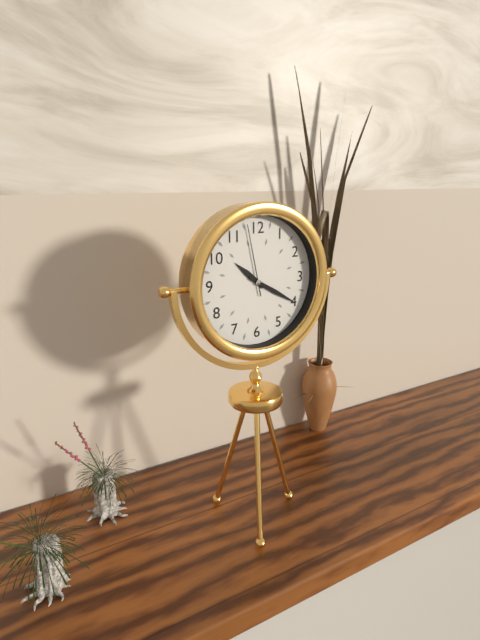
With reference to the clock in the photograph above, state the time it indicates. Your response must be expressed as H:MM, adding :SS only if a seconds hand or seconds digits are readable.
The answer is 10:20:58
